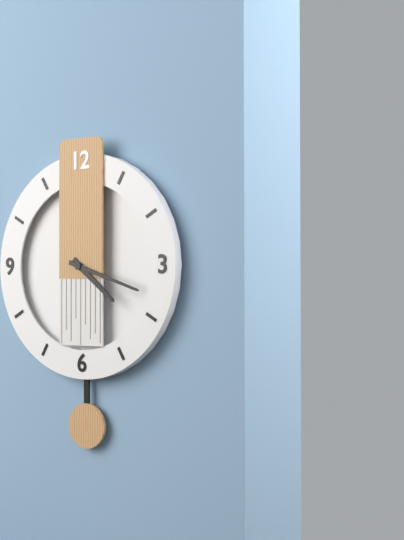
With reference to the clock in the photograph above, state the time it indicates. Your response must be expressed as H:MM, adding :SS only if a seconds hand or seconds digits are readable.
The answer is 4:18
